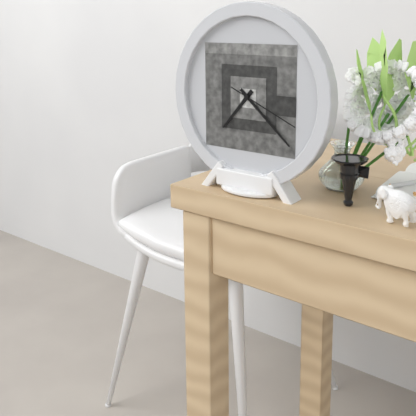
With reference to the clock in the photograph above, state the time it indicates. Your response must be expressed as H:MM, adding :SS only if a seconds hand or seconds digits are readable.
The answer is 7:22:19
